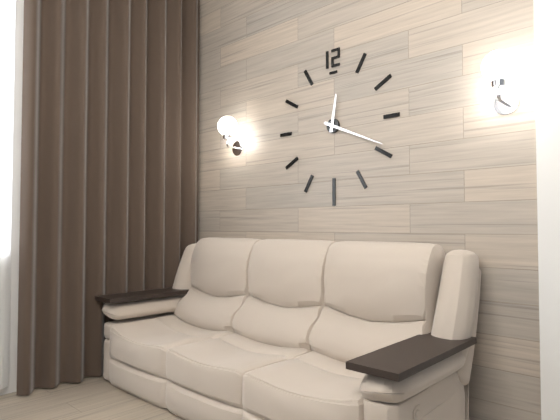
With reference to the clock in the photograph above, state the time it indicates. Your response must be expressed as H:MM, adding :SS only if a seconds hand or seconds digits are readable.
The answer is 12:19
